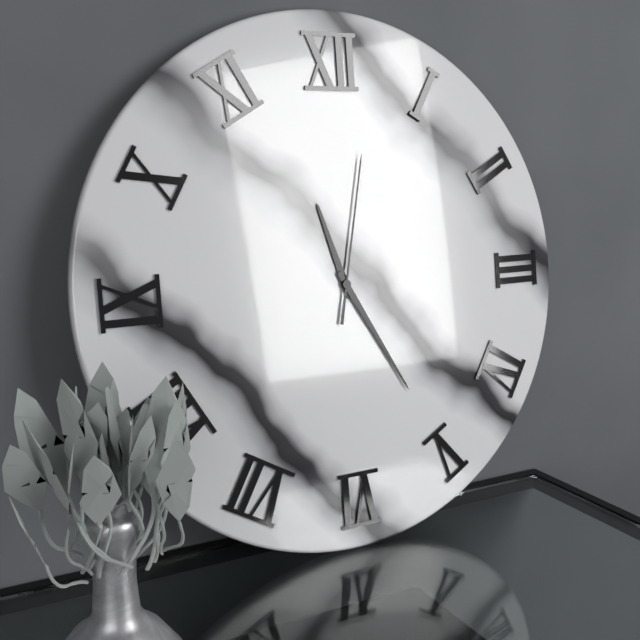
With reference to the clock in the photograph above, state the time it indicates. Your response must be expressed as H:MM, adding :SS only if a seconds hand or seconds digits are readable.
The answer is 11:25:02
